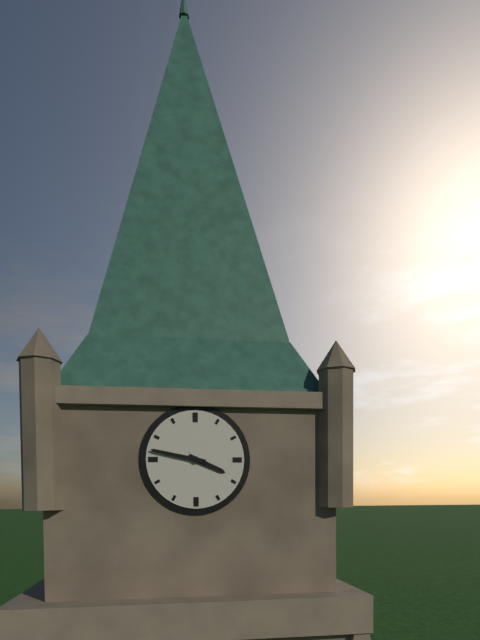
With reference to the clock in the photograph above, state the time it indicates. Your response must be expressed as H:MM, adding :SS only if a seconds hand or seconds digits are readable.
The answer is 3:47
